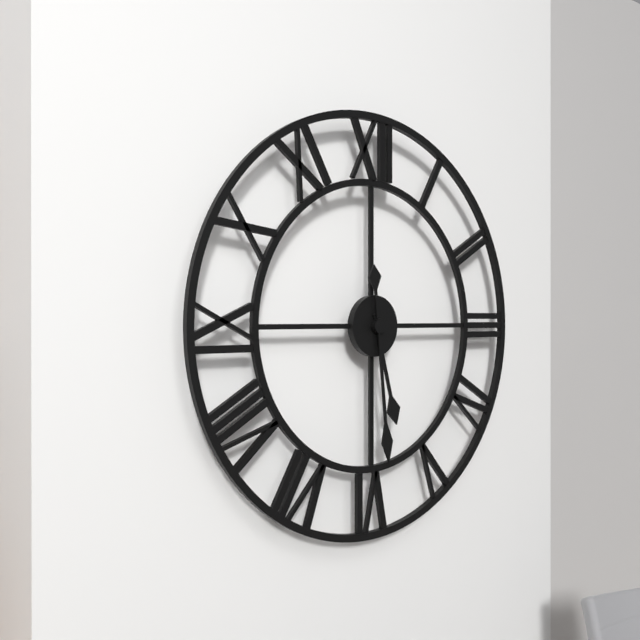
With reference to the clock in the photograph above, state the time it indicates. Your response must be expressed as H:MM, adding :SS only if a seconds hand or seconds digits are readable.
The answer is 5:29
